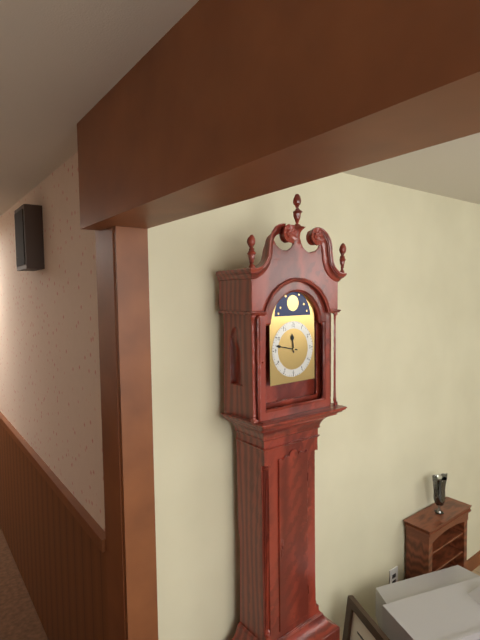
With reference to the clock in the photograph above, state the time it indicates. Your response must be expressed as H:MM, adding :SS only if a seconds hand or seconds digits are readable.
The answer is 11:47
